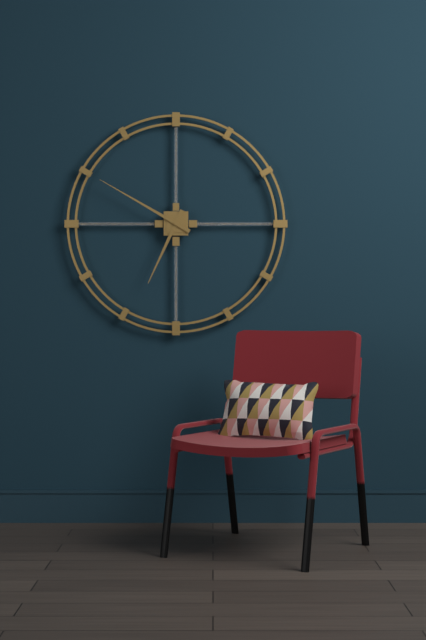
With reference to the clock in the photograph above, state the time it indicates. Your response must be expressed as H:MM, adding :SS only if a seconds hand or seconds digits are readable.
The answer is 6:50
